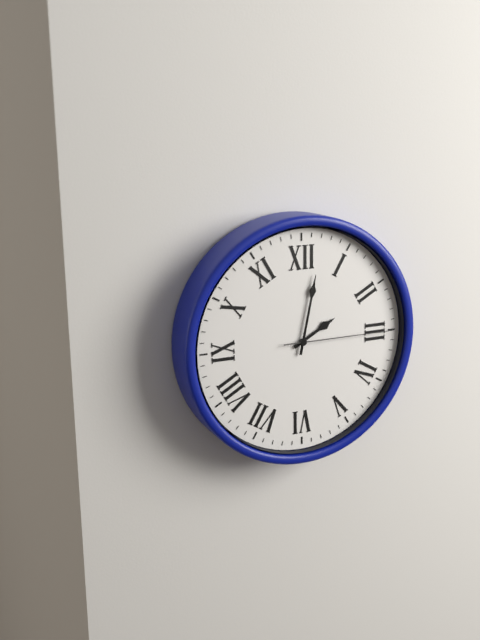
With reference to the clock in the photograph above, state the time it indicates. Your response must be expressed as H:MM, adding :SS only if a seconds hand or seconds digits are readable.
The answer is 2:02:15
